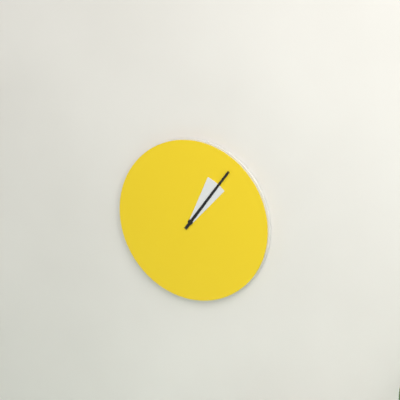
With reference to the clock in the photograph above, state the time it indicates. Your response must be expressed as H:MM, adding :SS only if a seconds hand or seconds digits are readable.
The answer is 1:06
